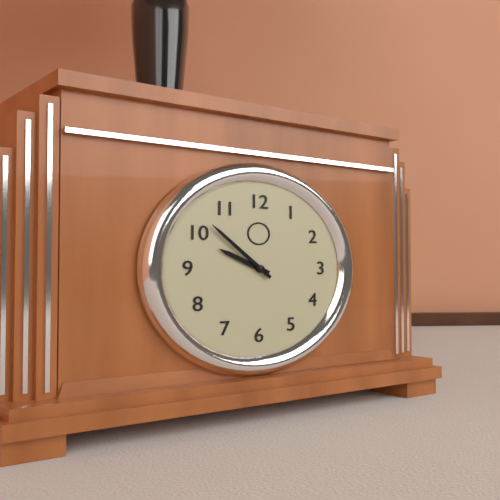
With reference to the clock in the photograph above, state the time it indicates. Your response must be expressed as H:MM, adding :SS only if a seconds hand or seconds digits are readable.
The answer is 9:52
